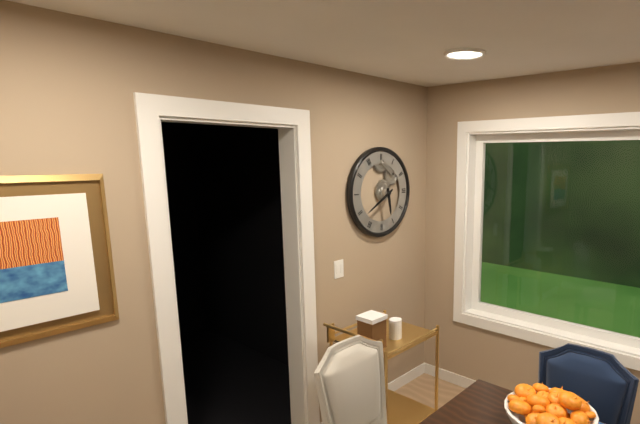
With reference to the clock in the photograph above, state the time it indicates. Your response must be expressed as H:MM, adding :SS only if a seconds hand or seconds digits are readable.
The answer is 5:40
